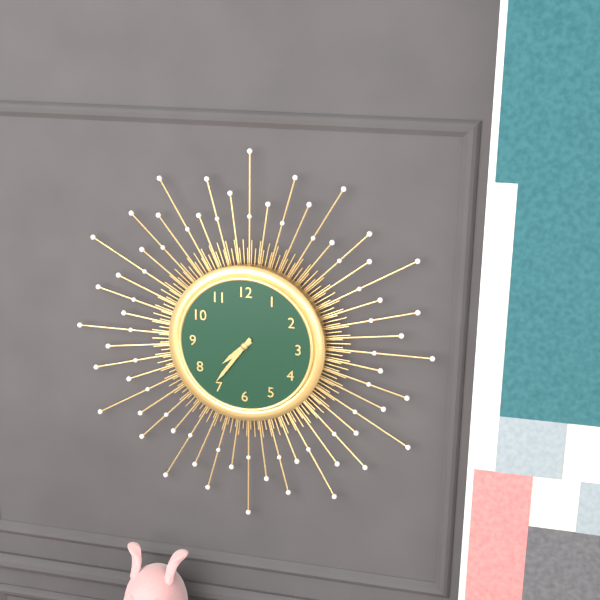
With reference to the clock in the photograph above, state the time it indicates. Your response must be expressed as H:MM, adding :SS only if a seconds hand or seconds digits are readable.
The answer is 7:36
